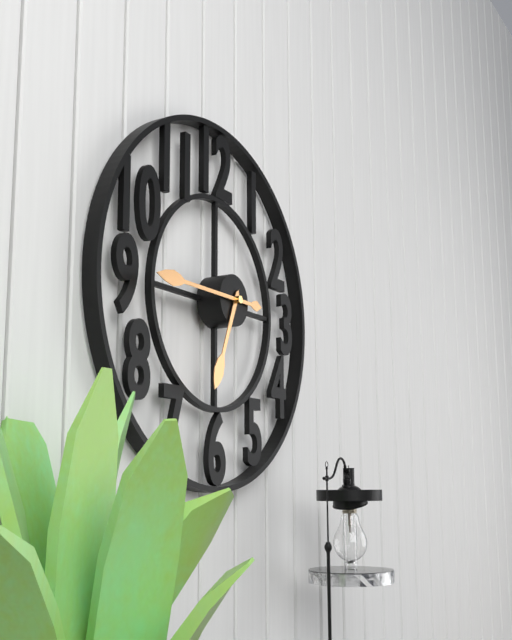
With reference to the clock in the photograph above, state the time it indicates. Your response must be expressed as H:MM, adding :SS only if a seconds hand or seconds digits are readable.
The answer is 6:45
